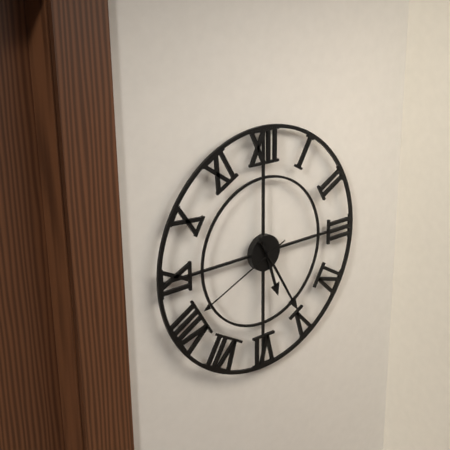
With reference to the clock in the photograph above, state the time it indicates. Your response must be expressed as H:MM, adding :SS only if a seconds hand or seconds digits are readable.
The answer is 5:25:41
